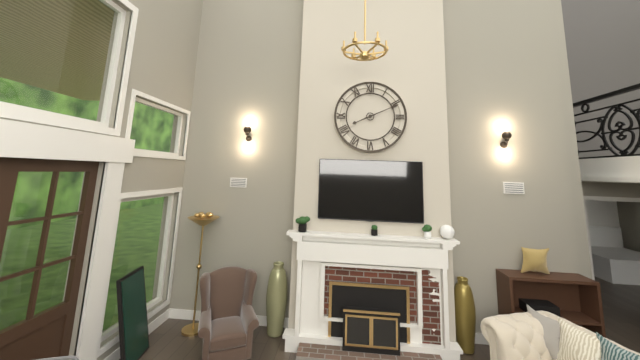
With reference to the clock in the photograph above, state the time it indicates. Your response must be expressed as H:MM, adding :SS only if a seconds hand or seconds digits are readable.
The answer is 8:11
